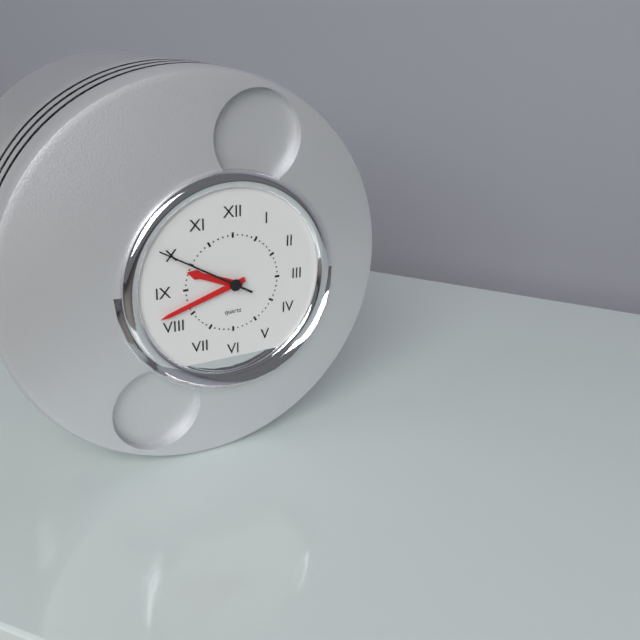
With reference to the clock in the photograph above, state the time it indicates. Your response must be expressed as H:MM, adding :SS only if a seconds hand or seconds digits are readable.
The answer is 9:42:50
